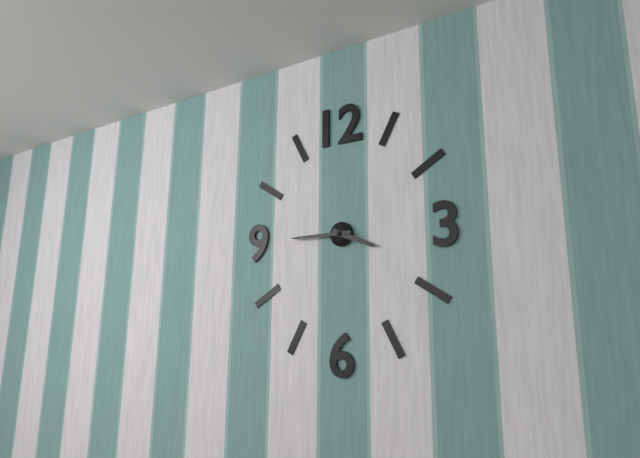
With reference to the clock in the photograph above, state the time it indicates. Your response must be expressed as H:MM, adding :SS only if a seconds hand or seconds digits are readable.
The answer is 3:45
